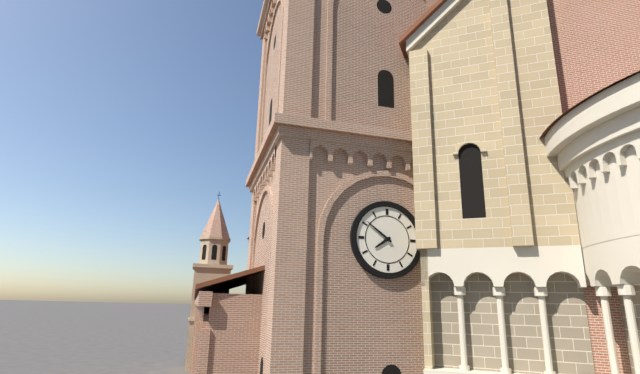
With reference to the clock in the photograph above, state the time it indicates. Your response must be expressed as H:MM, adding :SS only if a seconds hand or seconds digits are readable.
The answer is 7:51
